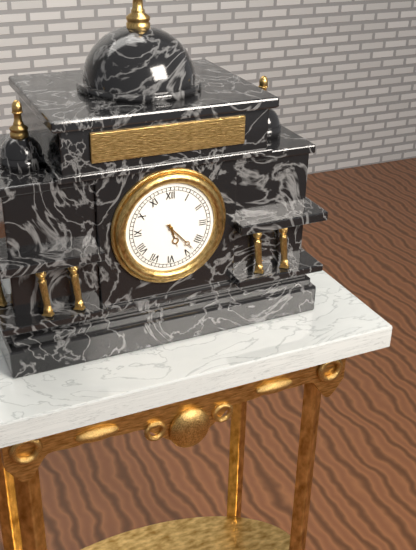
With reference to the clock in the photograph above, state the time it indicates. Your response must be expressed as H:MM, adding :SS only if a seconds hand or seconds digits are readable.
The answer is 5:23
